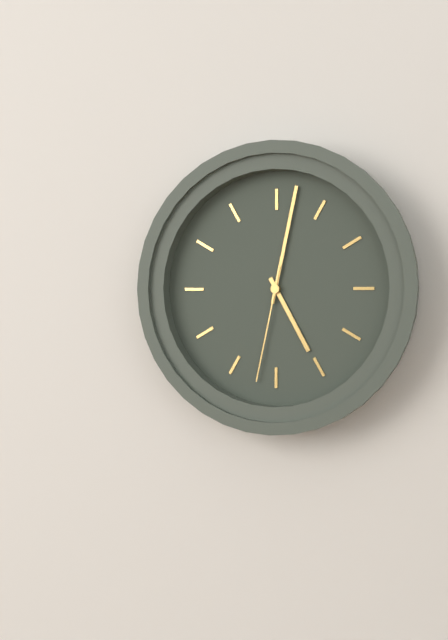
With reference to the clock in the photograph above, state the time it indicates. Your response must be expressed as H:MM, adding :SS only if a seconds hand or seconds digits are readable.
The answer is 5:02:32
